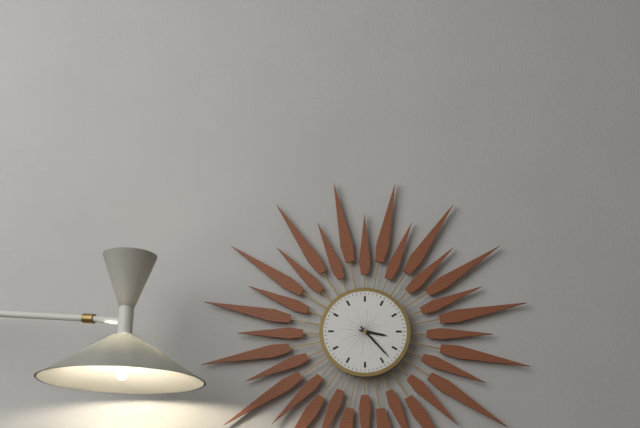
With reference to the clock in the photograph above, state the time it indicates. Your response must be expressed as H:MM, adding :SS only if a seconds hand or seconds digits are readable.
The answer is 3:23
